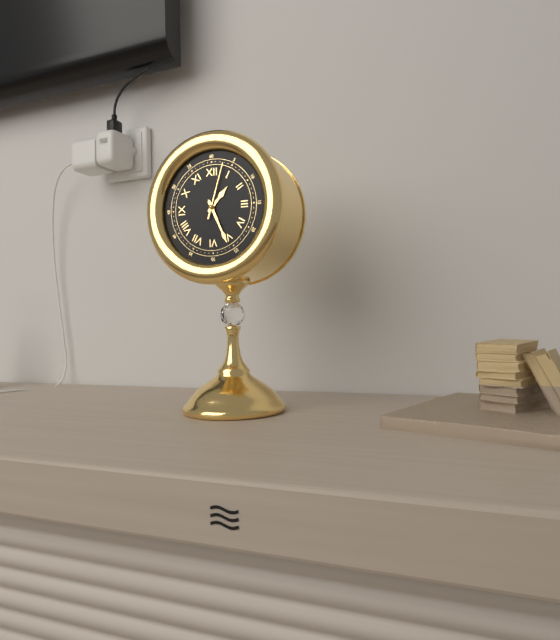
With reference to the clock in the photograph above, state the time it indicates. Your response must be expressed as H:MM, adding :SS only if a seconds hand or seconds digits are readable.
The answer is 1:26:03
